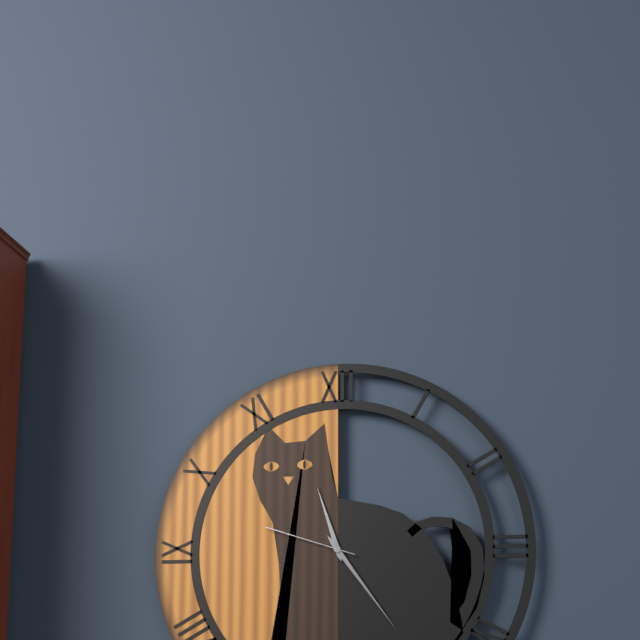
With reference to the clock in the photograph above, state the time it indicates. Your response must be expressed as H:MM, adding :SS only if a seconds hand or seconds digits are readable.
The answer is 11:24:48
